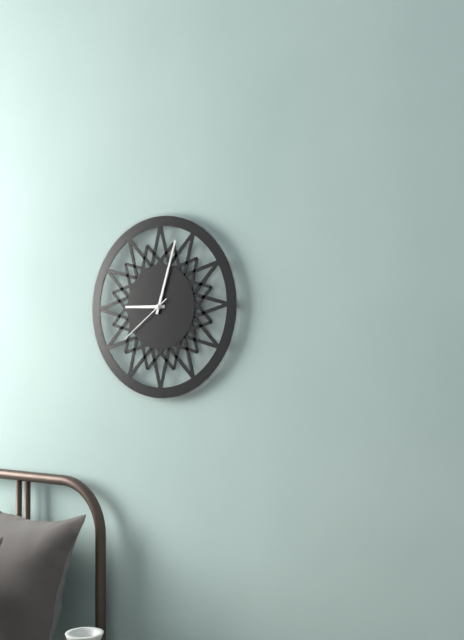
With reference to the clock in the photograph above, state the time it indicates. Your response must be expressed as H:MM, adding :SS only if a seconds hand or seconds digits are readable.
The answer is 9:03:39
